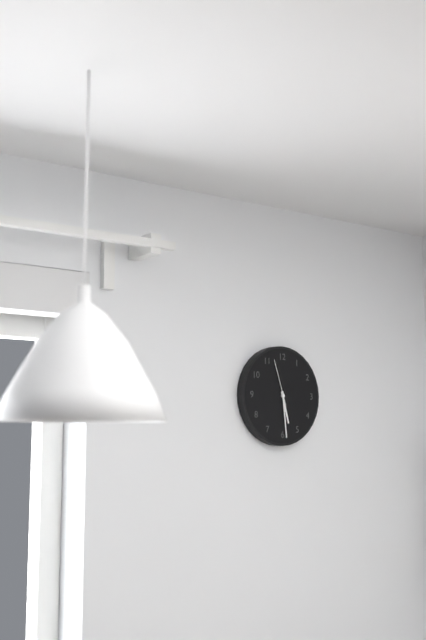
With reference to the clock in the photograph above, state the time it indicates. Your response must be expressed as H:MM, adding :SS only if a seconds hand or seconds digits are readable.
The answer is 5:29
